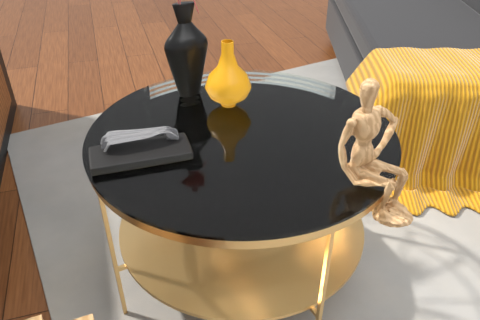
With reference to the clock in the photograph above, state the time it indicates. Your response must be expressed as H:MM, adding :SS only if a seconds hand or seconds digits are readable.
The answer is 9:23
